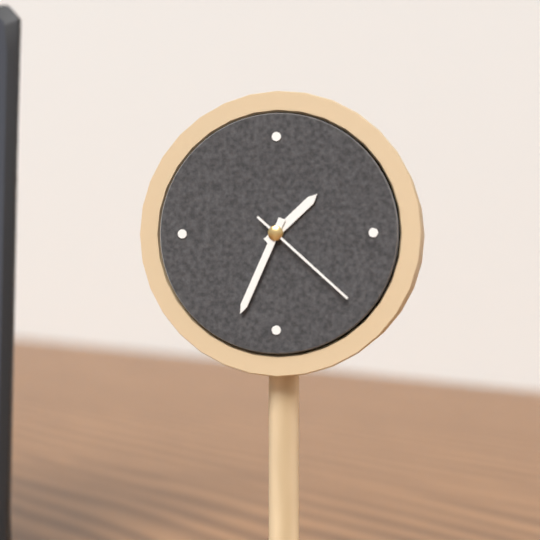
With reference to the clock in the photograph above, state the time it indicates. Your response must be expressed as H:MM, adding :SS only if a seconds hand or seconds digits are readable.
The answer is 1:34:22
